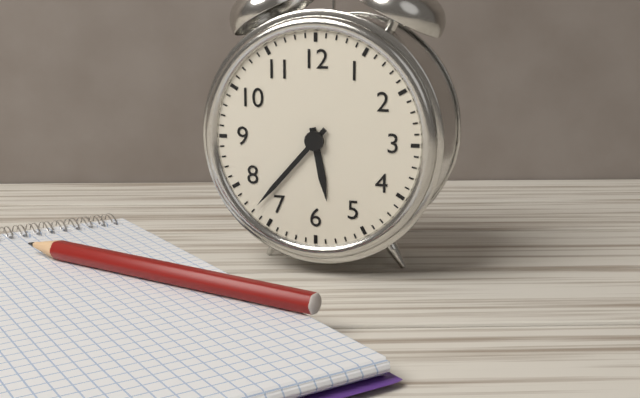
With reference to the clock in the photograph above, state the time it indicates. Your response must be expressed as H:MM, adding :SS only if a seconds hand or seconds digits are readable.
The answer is 5:37
